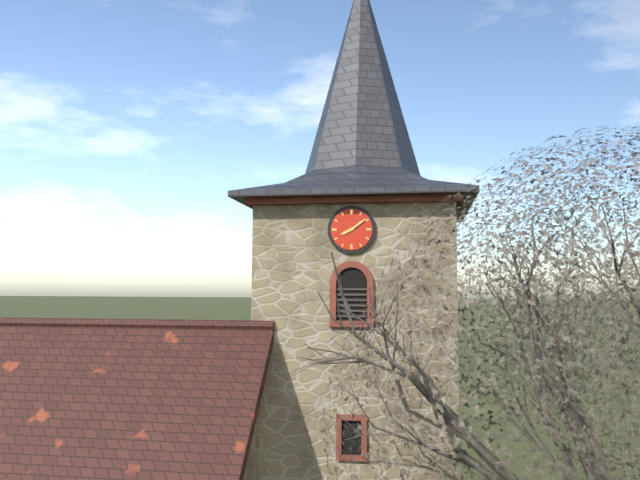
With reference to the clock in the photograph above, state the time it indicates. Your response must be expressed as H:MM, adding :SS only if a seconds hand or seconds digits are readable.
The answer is 8:09
